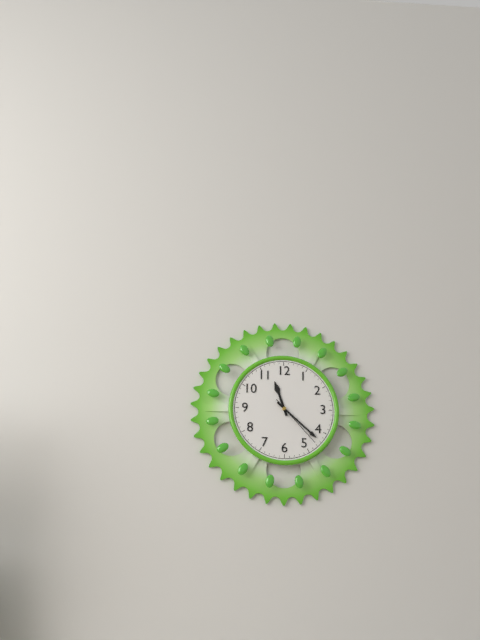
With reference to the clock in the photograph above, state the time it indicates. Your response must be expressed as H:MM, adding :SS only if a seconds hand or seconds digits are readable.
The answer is 11:22:23
